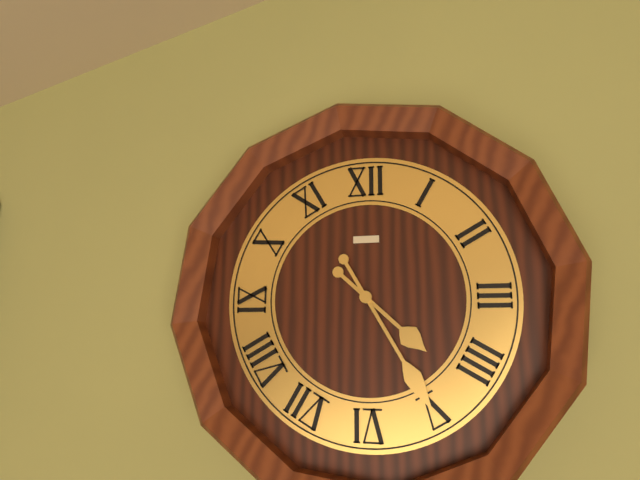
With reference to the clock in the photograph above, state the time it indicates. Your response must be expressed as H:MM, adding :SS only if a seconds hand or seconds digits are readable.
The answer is 4:25
